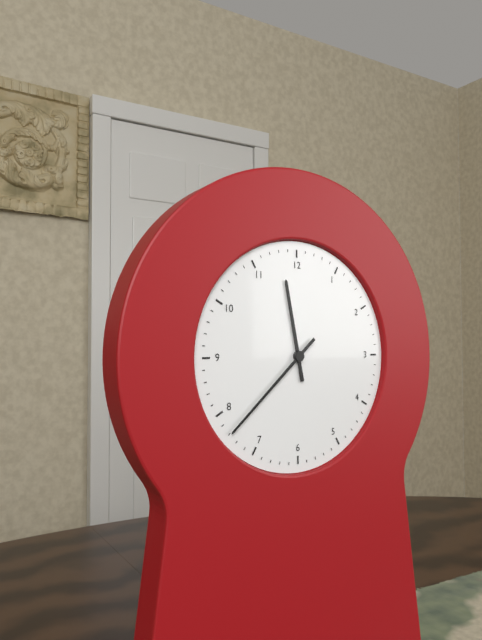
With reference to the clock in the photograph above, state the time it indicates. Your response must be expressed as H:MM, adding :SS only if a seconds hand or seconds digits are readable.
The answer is 11:38
